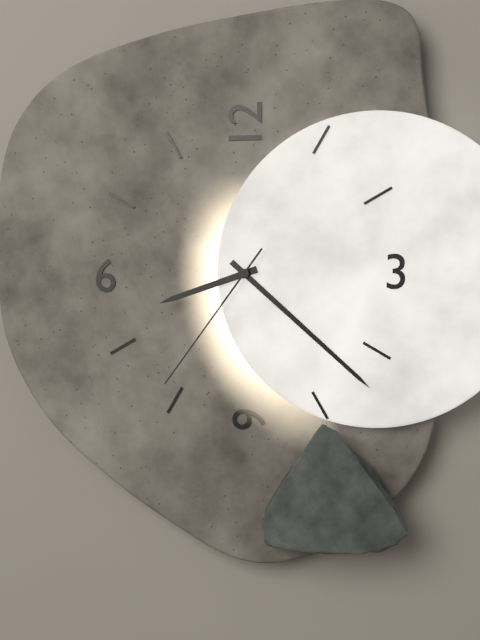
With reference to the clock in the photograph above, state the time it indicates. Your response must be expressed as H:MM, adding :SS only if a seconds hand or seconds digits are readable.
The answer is 8:22:36
